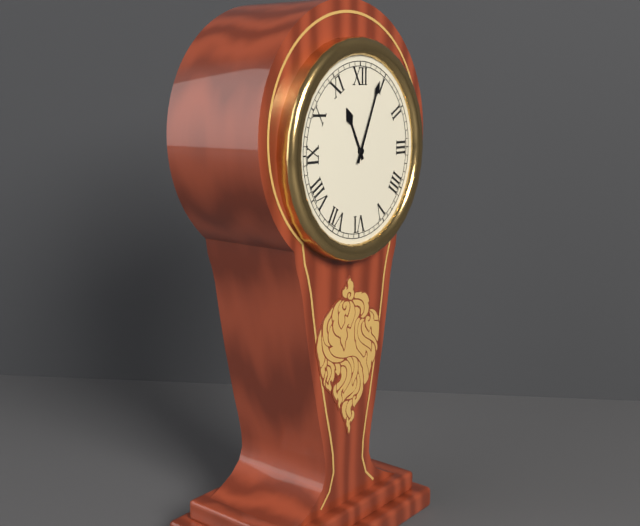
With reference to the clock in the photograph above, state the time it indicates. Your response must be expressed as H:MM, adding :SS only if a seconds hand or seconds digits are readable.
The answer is 11:04
